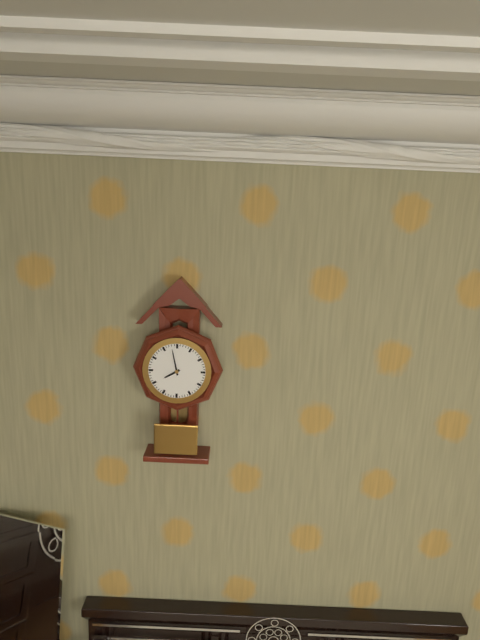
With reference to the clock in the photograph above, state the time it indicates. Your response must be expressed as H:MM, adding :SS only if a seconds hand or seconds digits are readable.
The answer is 7:58
